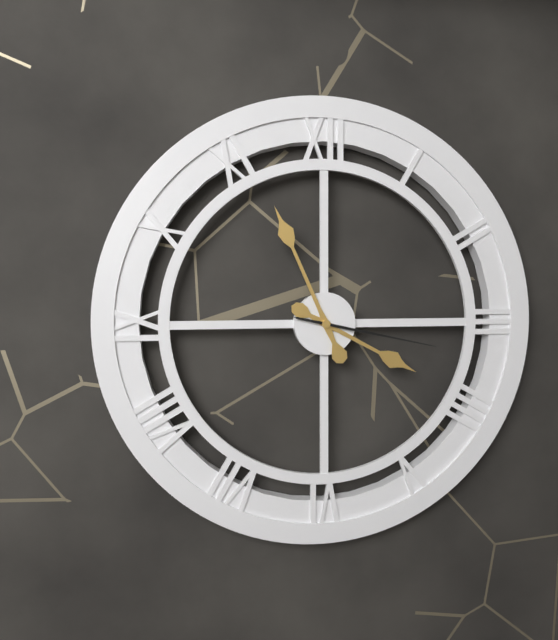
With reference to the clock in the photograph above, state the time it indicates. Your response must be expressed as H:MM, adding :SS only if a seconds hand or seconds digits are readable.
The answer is 3:56:17
